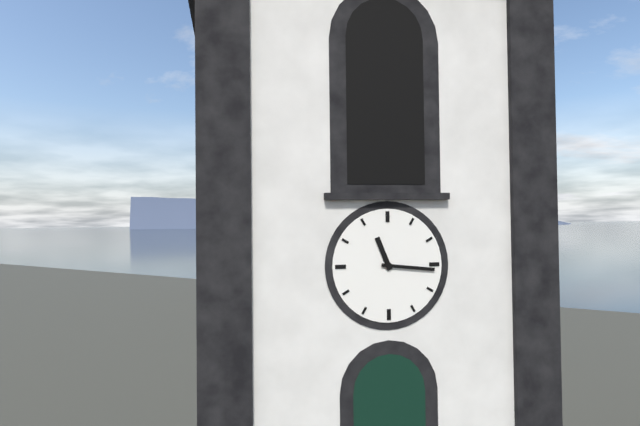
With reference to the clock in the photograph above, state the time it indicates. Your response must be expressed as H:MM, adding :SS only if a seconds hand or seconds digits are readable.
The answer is 11:16
